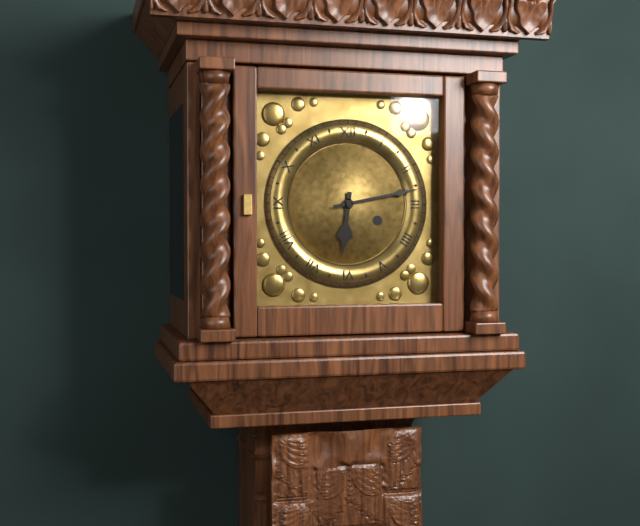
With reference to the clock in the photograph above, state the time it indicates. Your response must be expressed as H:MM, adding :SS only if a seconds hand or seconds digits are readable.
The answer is 6:13
